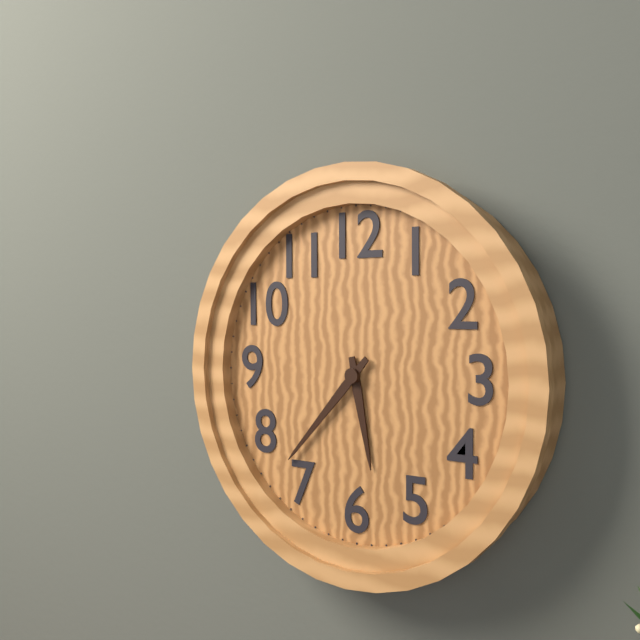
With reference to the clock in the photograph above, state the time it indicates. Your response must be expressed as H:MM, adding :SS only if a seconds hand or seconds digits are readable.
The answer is 5:37
